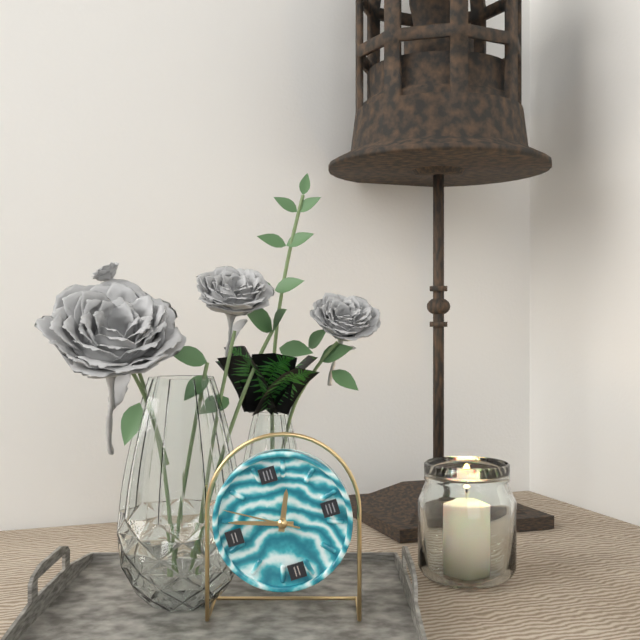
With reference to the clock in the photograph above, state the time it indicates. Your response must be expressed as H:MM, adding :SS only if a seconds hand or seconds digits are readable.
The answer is 12:48:50
